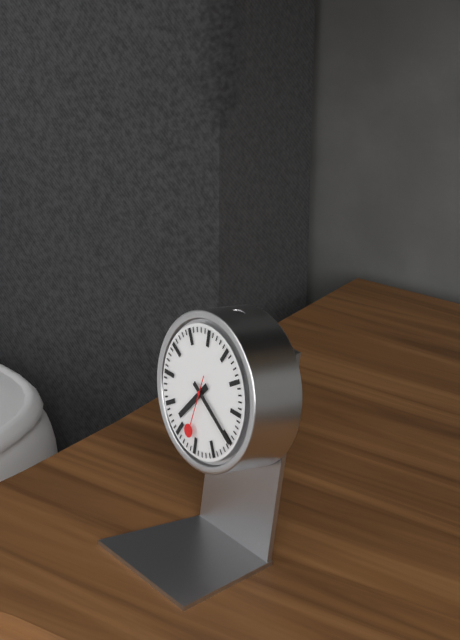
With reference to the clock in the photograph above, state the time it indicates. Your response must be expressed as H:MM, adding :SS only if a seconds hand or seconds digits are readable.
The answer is 7:20:32
